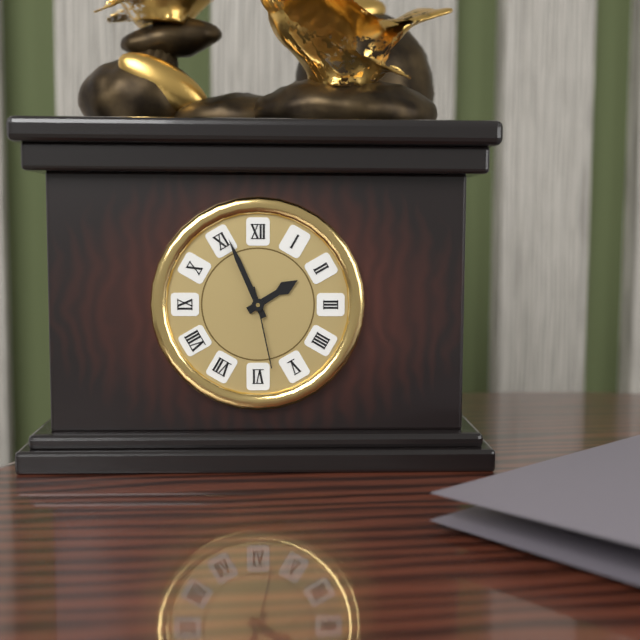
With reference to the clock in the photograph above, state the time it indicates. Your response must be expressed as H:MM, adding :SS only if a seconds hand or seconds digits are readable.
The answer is 1:56:28
